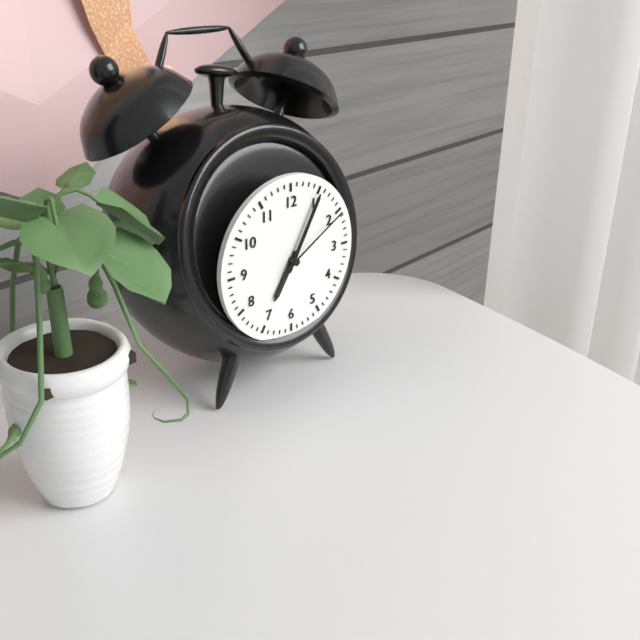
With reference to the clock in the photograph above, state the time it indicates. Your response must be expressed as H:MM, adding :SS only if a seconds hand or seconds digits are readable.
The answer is 7:05:10
